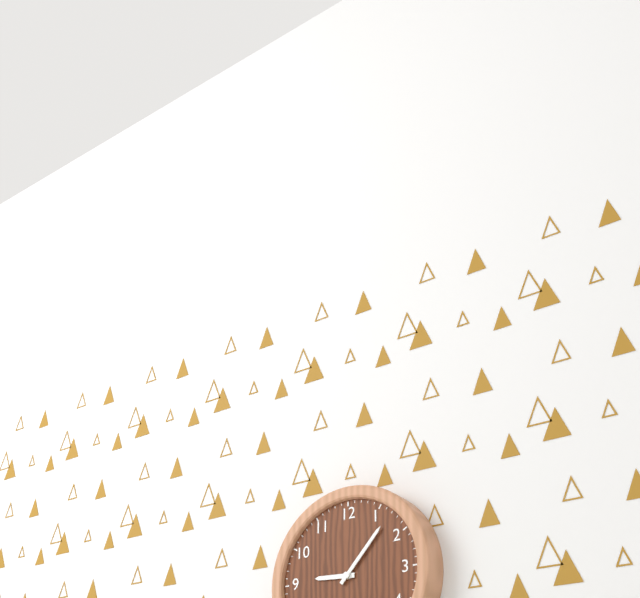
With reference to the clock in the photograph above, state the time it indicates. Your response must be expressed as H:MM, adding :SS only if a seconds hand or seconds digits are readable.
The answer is 9:07
